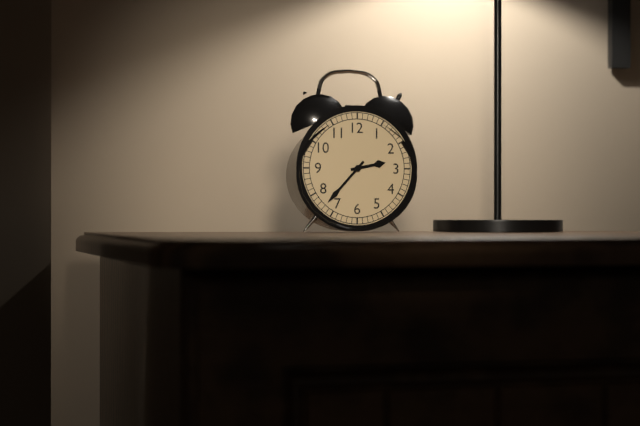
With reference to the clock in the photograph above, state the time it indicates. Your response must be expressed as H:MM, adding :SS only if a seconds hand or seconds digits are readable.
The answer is 2:37
